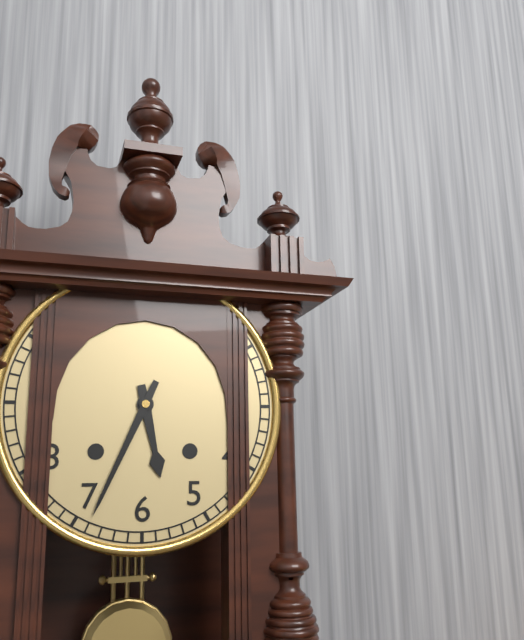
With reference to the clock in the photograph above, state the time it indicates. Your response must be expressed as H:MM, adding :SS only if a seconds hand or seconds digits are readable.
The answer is 5:34
